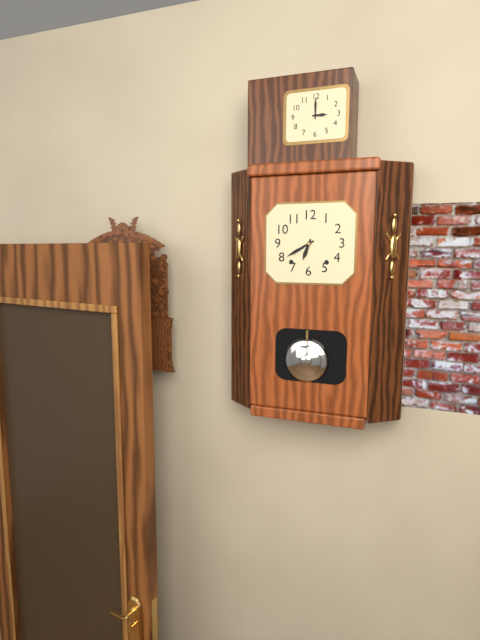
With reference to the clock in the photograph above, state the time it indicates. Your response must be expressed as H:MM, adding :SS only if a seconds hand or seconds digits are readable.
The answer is 6:40
